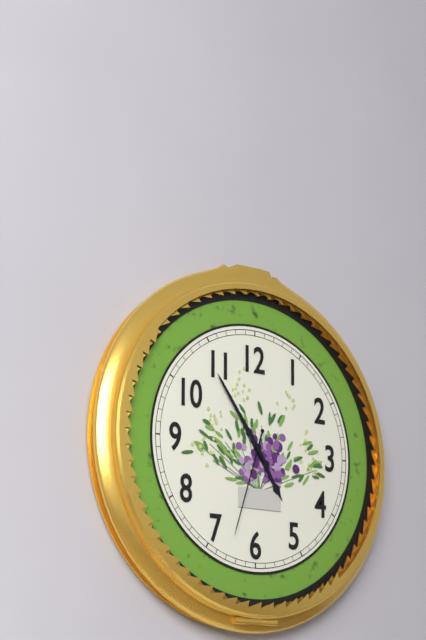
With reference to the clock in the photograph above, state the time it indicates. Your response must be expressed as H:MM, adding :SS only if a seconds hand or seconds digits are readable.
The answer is 4:54:33
